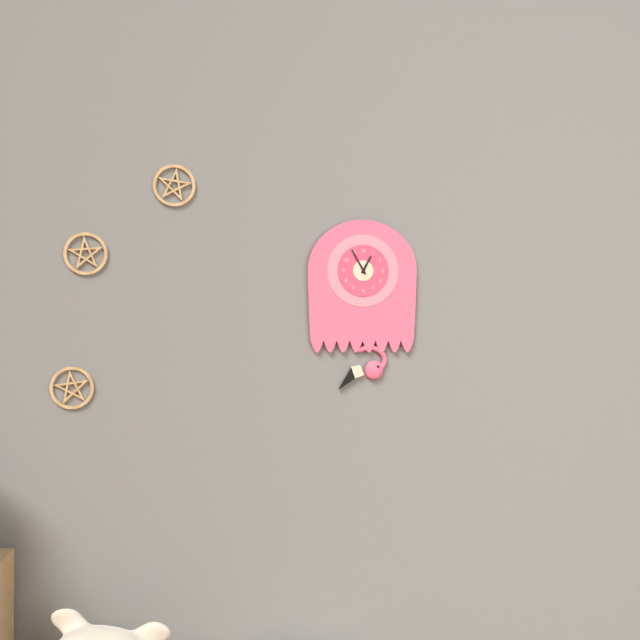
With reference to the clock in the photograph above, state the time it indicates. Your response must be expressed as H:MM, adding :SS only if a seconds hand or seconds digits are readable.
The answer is 12:55
